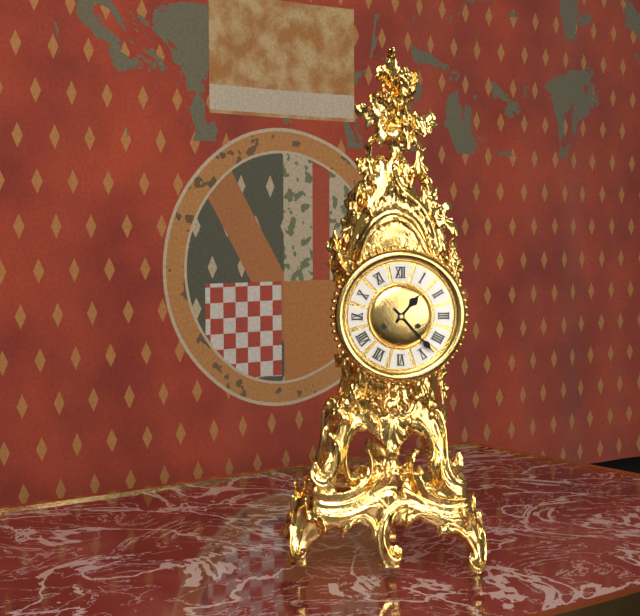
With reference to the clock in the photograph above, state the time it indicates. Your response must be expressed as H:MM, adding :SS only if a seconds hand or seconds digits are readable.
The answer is 1:23
